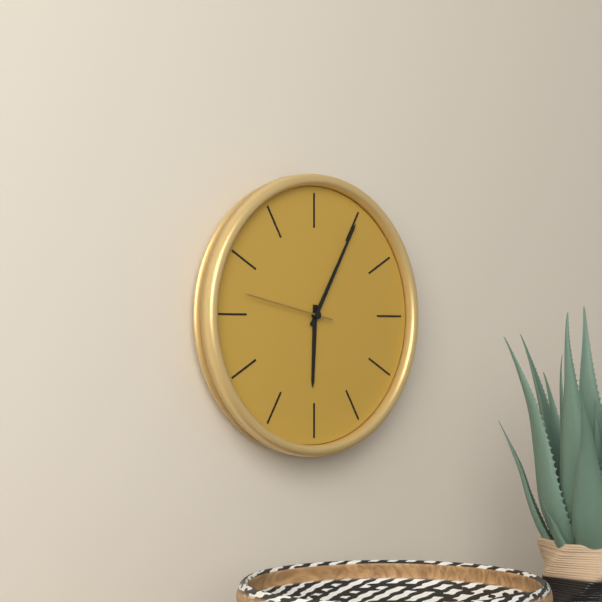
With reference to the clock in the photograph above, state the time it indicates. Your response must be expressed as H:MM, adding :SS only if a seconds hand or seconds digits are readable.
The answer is 6:05:47
